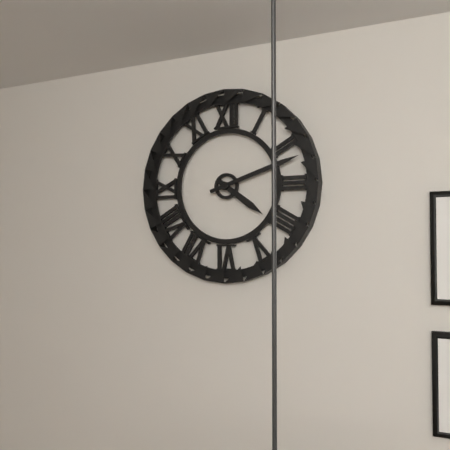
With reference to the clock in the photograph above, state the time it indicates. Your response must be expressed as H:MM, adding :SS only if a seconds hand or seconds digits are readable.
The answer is 4:12
